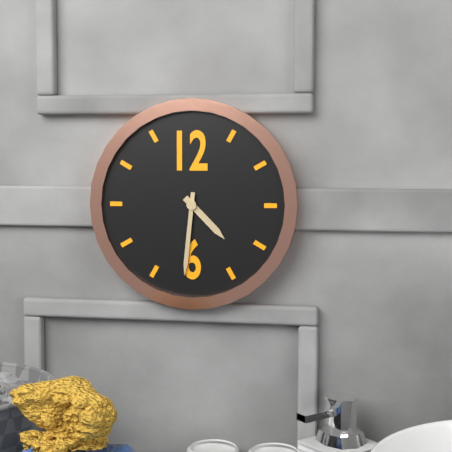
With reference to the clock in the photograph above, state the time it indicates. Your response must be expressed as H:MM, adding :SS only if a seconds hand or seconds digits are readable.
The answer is 4:31
